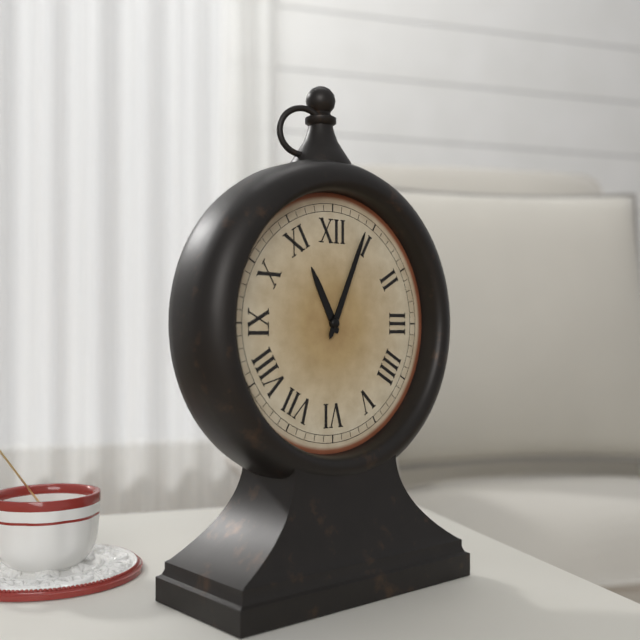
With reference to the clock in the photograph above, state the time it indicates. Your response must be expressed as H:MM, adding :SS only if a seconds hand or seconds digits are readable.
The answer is 11:04
